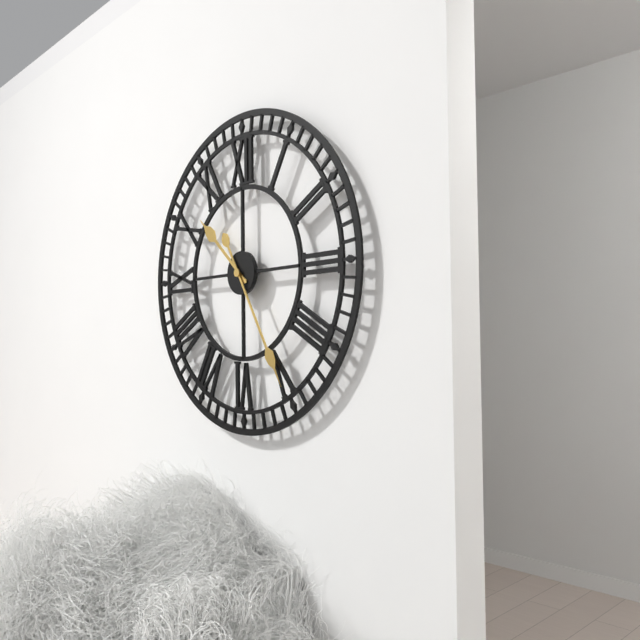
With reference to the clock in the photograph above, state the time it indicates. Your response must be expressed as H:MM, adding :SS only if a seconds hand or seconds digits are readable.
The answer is 10:25
